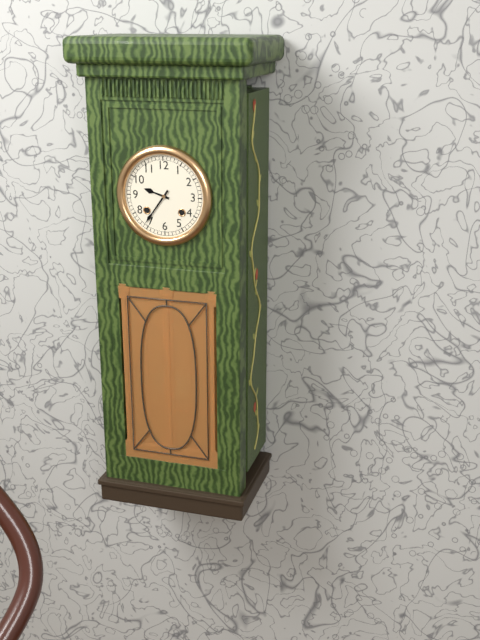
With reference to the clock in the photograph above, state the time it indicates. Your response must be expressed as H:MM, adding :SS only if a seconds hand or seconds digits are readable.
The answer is 9:36
